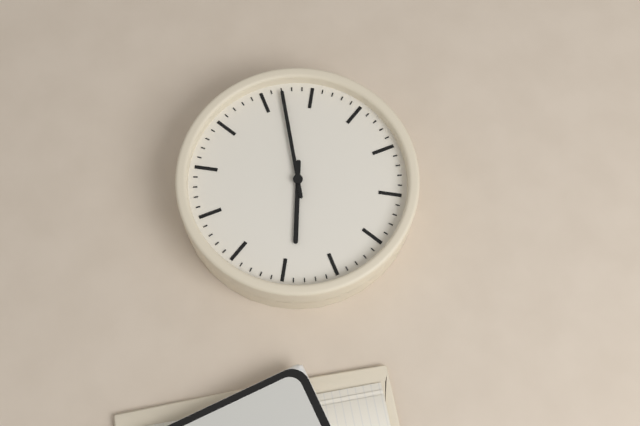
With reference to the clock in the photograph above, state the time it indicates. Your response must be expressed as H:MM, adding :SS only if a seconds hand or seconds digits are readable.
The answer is 3:47
